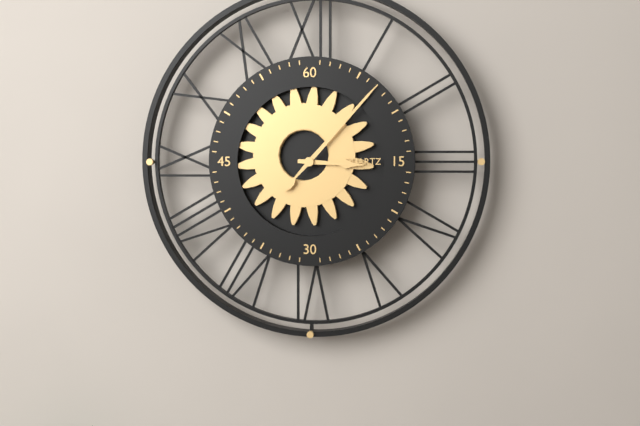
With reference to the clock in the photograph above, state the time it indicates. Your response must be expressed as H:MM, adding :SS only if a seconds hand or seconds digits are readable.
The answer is 3:07
